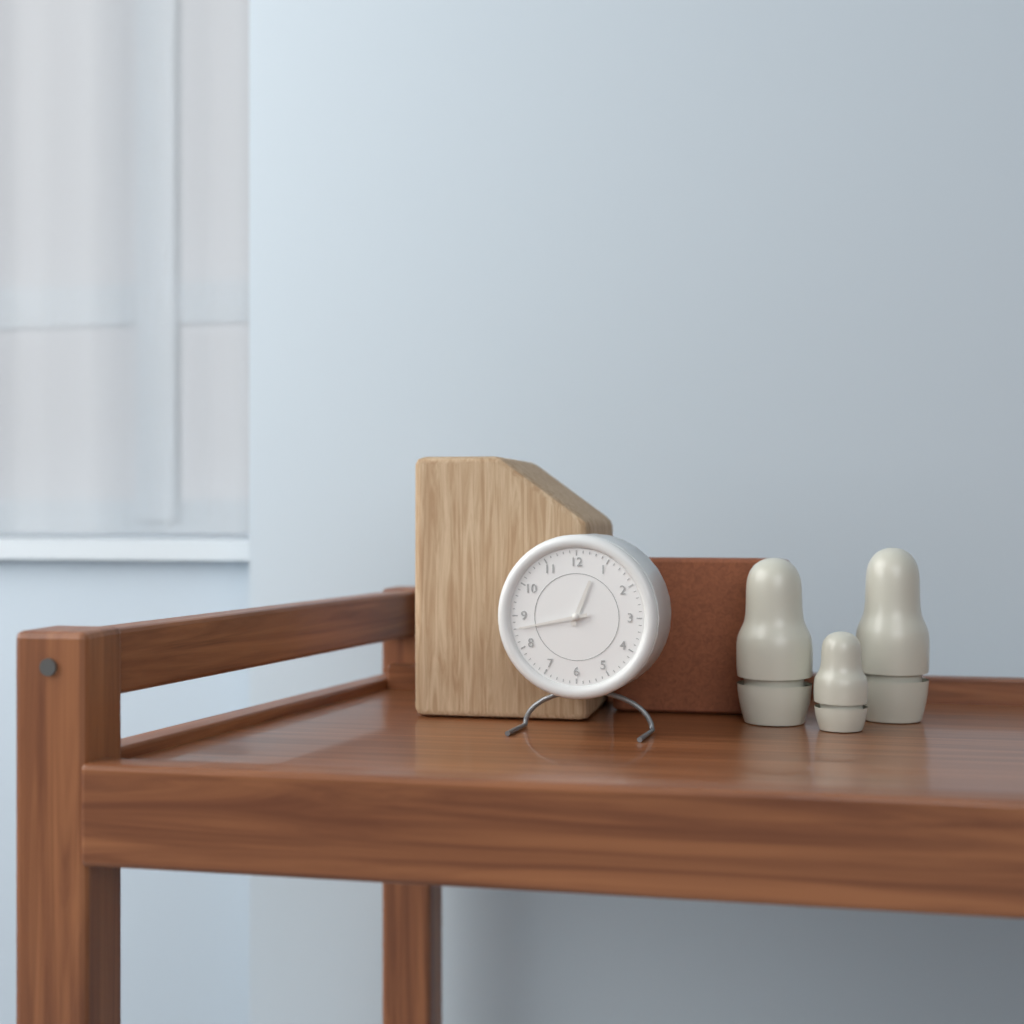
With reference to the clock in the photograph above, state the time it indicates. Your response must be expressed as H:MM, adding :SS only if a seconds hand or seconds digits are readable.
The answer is 12:43
